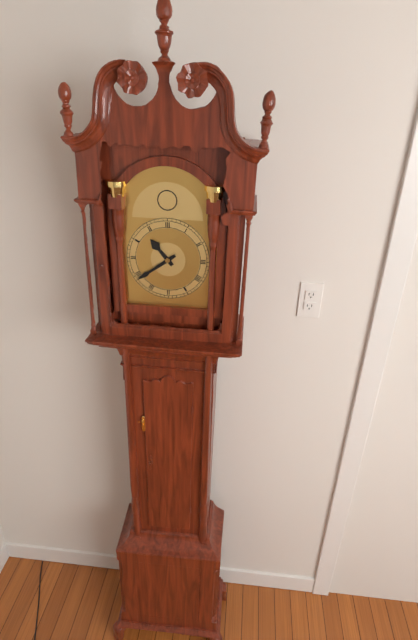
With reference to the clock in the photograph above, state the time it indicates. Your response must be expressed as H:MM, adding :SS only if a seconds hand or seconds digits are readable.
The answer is 10:39
